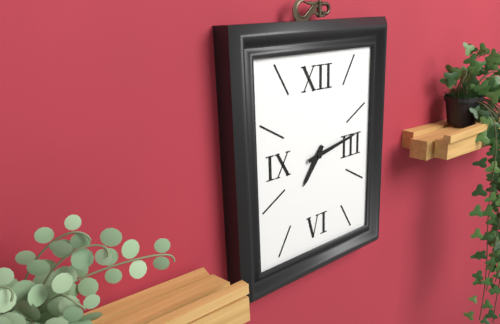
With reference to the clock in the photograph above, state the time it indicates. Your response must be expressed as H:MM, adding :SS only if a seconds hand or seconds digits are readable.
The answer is 7:13
